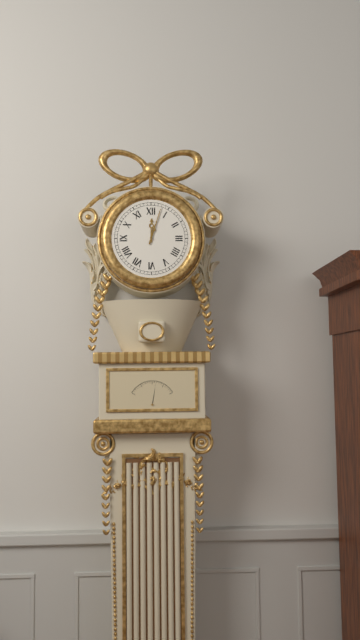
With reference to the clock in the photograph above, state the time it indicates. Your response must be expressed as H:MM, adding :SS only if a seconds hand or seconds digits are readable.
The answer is 12:03
